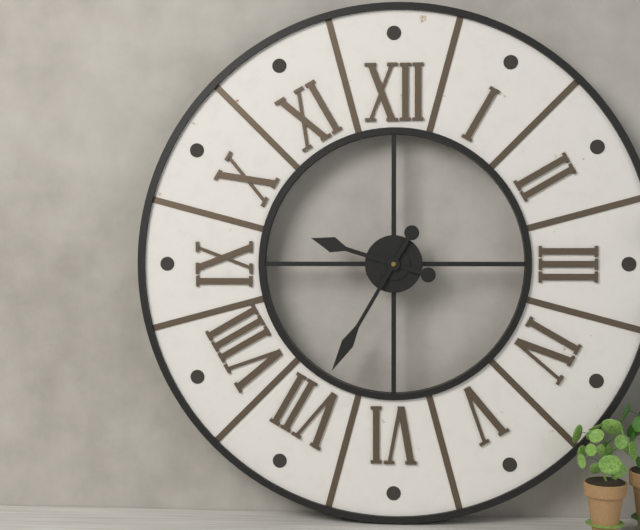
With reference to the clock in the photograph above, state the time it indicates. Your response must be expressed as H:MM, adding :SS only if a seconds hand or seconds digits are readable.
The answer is 9:35
